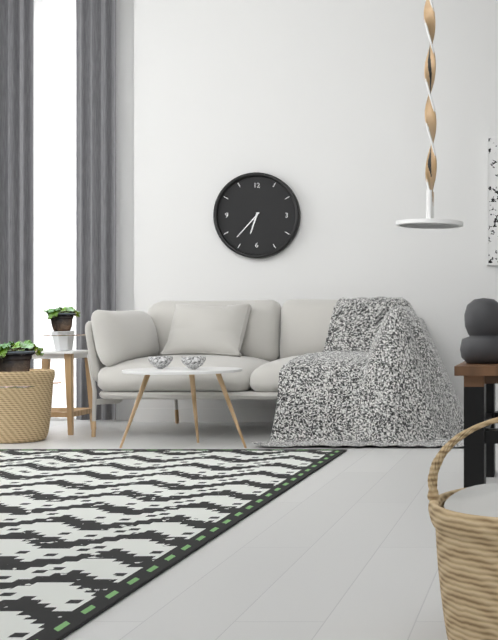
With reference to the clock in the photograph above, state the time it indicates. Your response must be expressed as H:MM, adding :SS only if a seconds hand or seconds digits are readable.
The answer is 6:37
